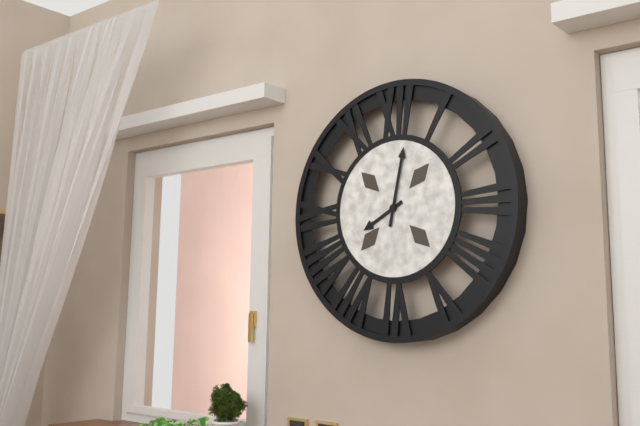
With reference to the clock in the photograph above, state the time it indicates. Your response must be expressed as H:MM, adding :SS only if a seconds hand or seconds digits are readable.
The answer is 8:02
